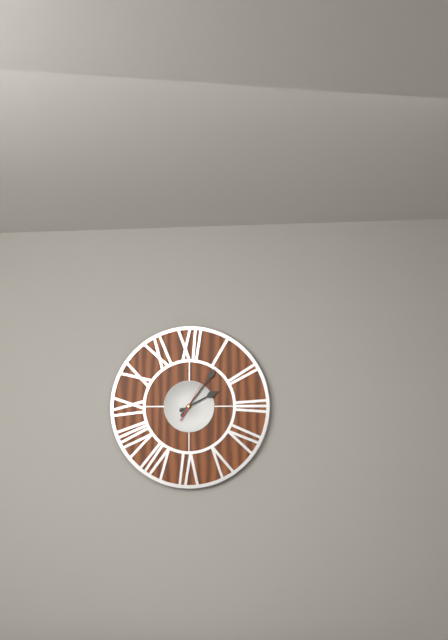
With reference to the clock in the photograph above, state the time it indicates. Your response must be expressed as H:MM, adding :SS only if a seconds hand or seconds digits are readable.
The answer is 2:06:05
